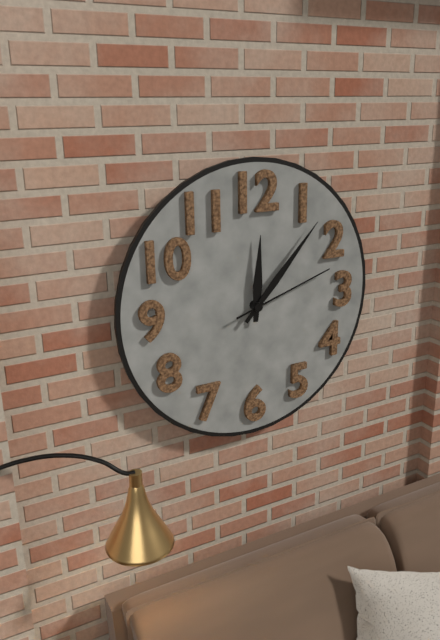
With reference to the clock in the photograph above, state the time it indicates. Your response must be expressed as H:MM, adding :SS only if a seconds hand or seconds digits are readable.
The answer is 12:07:12
